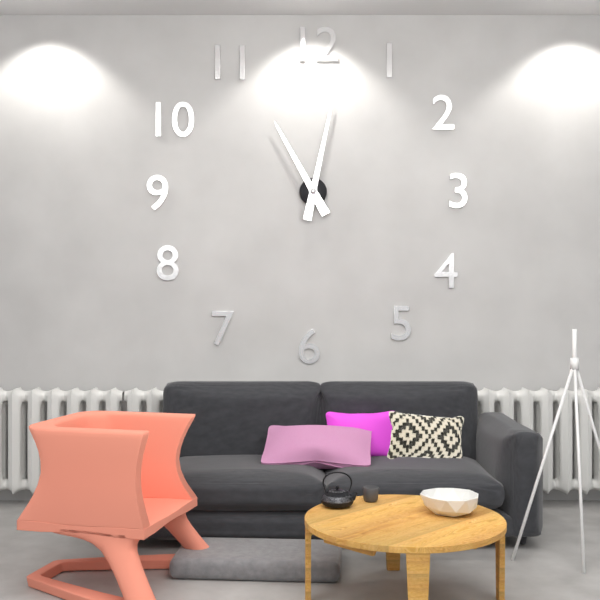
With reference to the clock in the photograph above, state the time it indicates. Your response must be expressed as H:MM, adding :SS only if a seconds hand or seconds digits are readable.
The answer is 11:02
